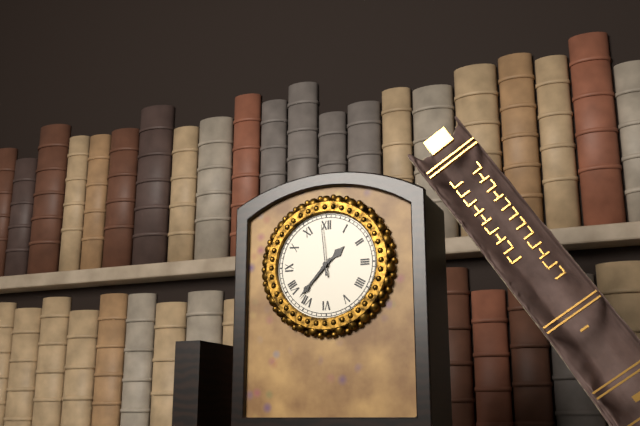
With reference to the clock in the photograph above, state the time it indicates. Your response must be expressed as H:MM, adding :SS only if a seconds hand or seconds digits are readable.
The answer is 1:37:59
